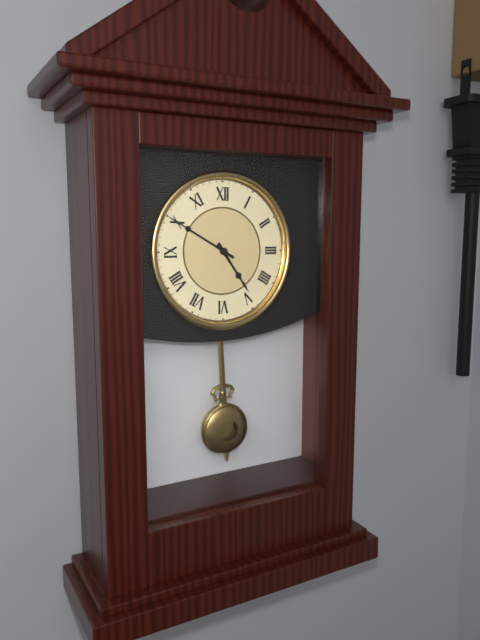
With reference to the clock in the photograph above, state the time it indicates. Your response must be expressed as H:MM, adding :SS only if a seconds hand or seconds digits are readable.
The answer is 4:50
